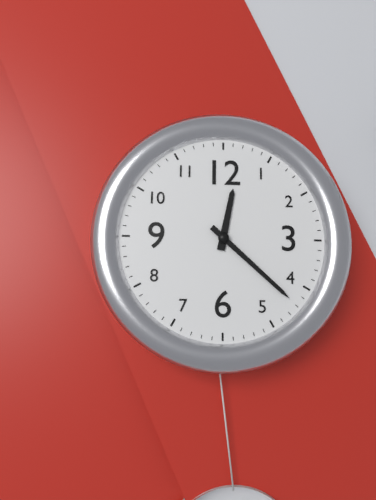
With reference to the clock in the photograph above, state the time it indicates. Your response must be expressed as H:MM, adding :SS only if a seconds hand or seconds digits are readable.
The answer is 12:22
